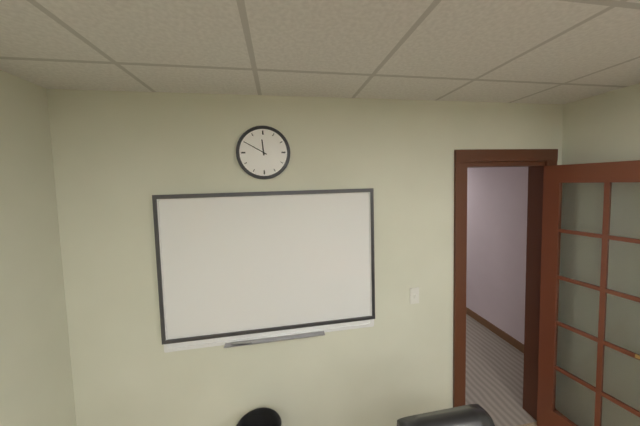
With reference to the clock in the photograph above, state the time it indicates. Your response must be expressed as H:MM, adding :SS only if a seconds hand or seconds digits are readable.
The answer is 11:50
